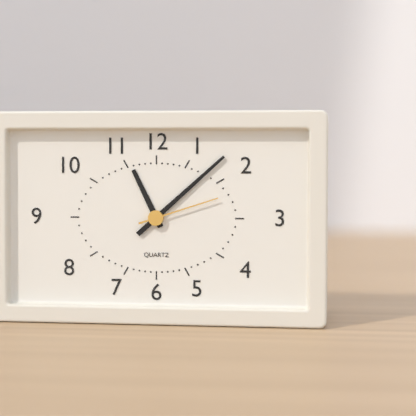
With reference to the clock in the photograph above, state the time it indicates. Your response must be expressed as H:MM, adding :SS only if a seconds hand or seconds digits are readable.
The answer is 11:08:12
